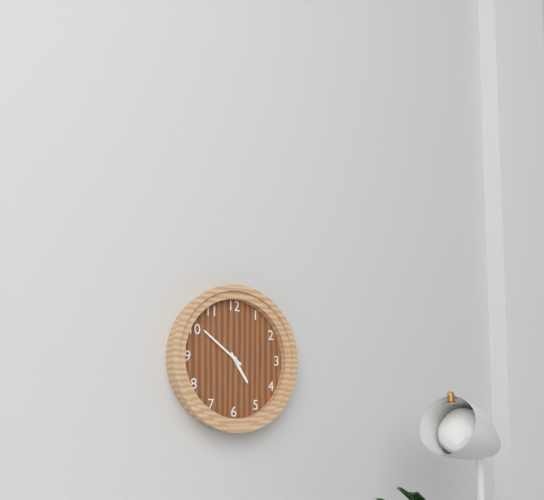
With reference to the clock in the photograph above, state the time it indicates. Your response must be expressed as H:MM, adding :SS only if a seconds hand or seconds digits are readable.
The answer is 4:51
